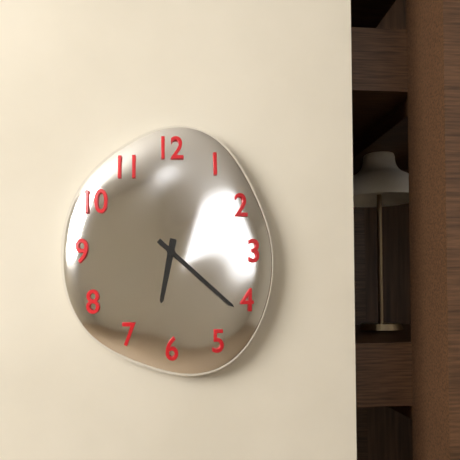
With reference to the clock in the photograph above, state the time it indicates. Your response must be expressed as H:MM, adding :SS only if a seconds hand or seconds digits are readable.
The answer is 6:22
